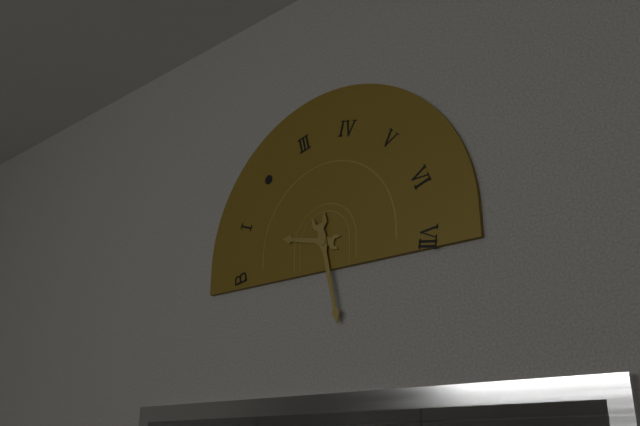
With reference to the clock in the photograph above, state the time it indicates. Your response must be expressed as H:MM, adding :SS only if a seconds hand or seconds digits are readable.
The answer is 9:28
